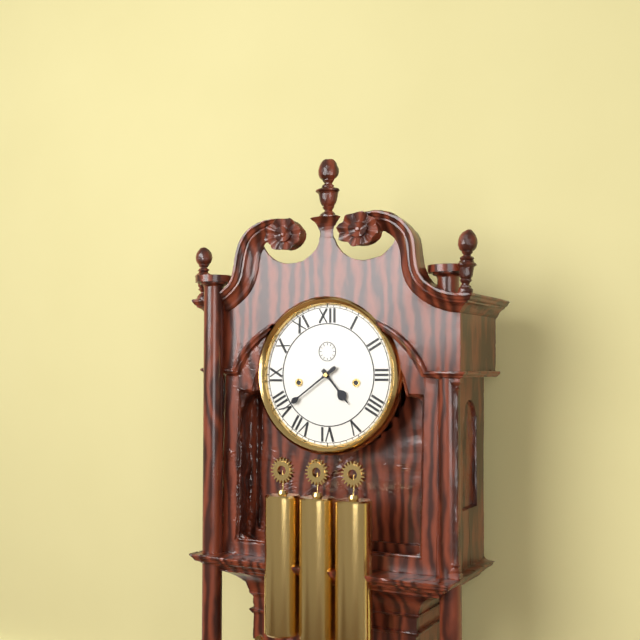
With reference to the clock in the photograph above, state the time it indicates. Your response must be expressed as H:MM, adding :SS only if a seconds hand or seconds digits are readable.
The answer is 4:39
